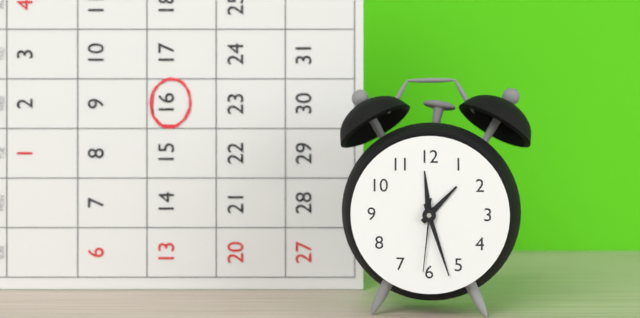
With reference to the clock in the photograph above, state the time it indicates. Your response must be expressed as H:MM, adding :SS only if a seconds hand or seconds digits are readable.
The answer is 1:27:31
